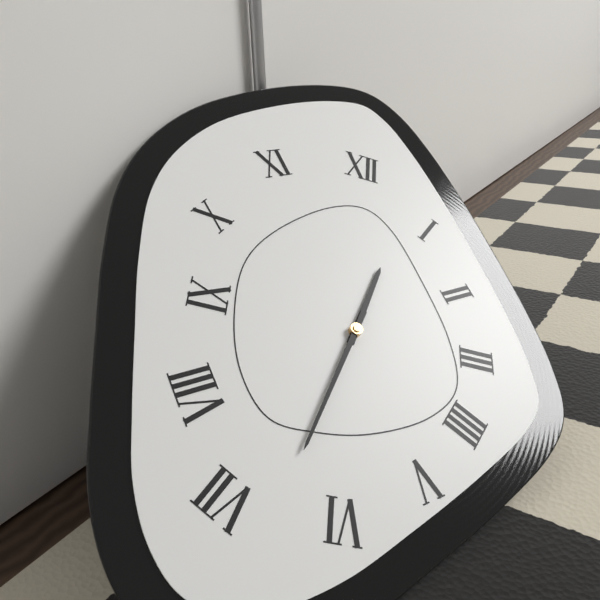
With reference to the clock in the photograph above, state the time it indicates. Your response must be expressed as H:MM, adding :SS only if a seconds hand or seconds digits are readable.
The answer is 12:33
